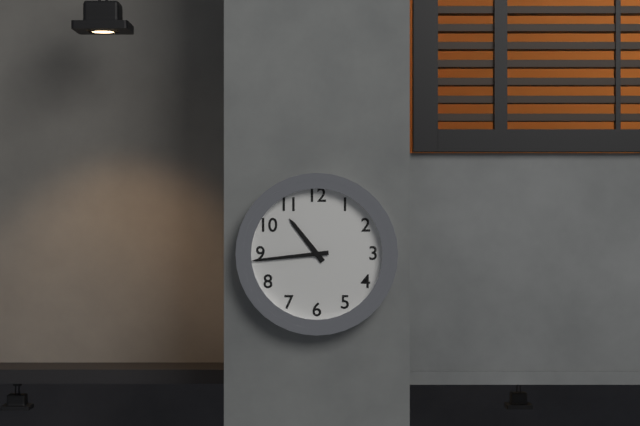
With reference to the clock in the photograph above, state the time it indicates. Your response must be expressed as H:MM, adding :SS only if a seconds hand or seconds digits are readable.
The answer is 10:44
